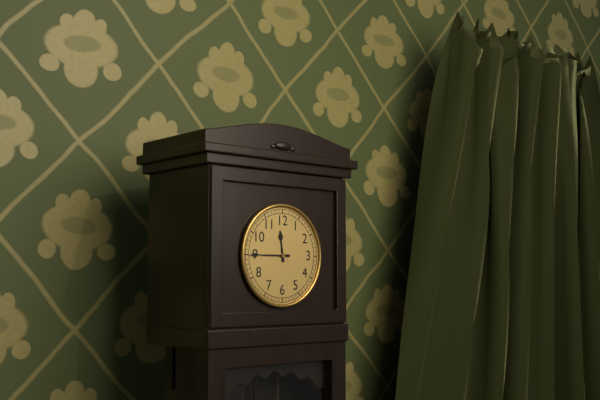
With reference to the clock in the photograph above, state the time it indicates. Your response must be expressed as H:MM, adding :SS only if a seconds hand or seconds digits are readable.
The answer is 11:45
